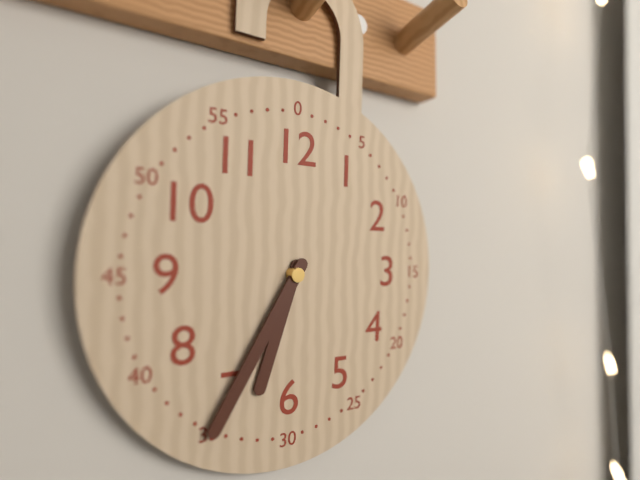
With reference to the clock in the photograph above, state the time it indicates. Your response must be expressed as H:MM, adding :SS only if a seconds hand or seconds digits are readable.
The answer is 6:35
